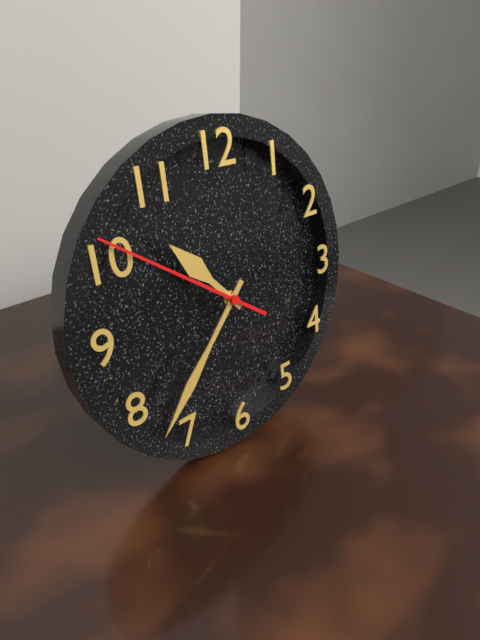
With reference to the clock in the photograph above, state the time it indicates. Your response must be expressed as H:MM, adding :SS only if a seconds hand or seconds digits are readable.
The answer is 10:37:51
